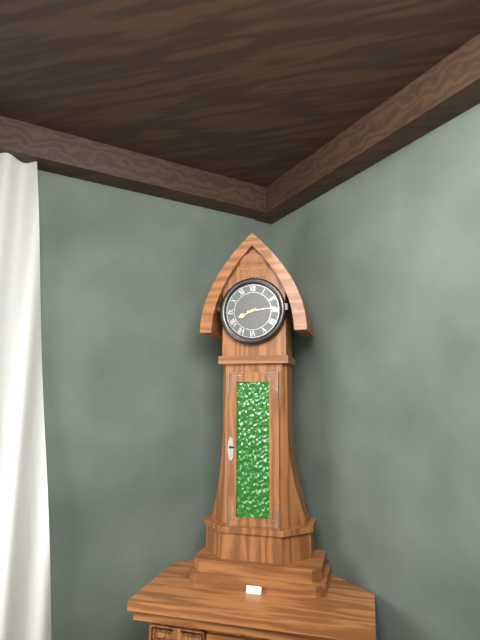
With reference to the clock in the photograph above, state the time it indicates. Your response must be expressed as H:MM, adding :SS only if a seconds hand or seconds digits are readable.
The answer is 8:14
